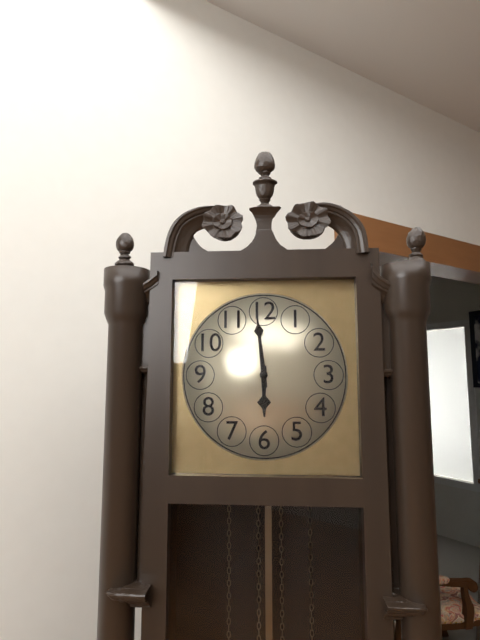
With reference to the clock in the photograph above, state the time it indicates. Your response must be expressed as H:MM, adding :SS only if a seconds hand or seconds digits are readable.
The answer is 5:59
